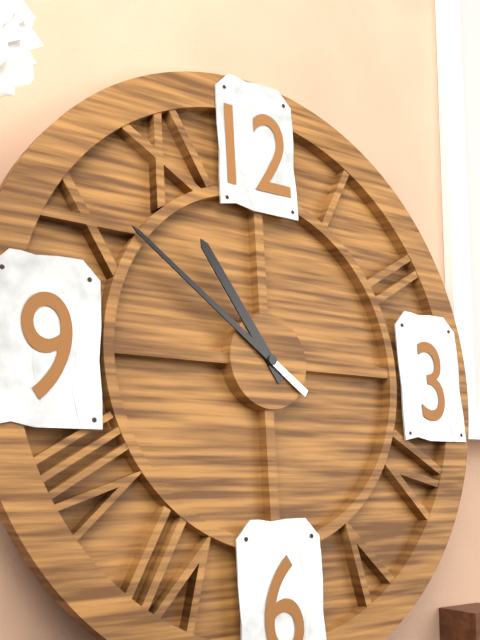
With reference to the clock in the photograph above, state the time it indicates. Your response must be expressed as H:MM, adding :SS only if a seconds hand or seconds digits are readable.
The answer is 10:51
